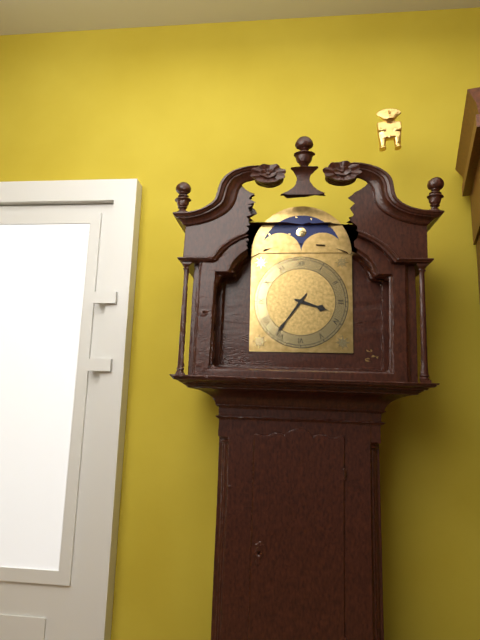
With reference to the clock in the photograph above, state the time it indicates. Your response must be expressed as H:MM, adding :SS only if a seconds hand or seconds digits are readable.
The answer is 3:36
